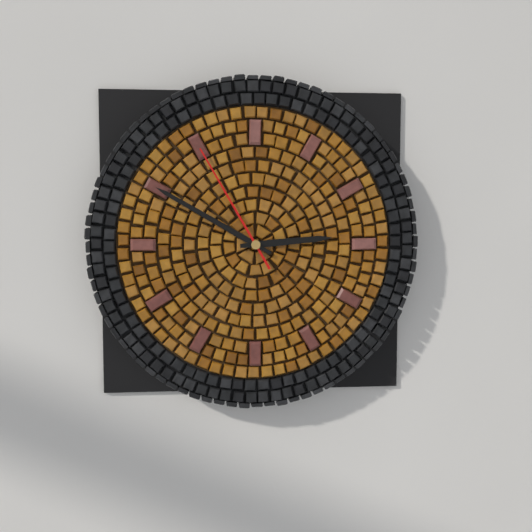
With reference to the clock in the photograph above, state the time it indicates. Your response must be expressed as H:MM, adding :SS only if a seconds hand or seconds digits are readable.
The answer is 2:50:55
